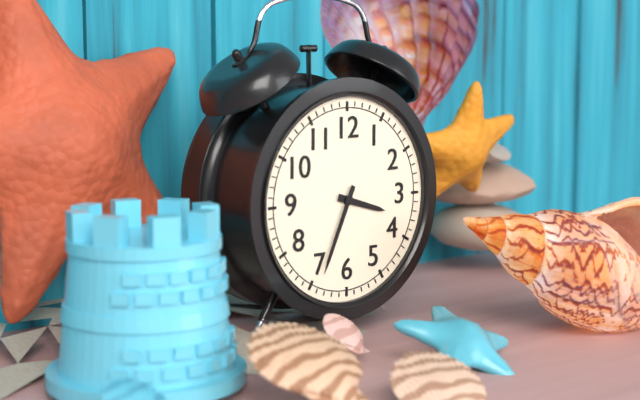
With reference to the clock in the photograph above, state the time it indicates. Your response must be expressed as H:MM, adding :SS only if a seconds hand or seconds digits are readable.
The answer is 3:34
